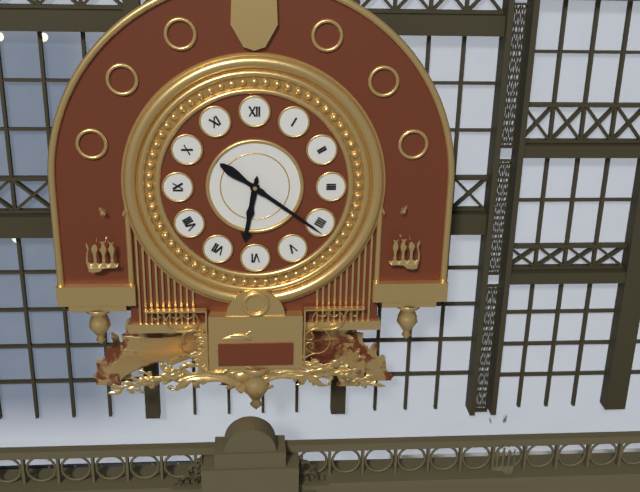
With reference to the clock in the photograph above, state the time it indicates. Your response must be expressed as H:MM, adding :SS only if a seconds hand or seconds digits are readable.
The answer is 6:21
